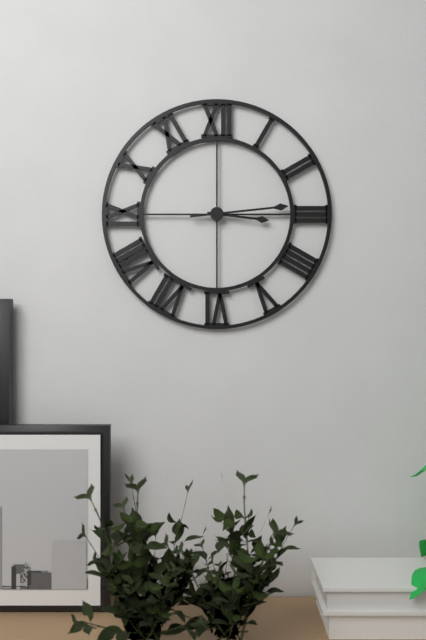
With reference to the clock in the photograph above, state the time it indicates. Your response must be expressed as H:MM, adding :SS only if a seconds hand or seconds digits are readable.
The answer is 3:14
